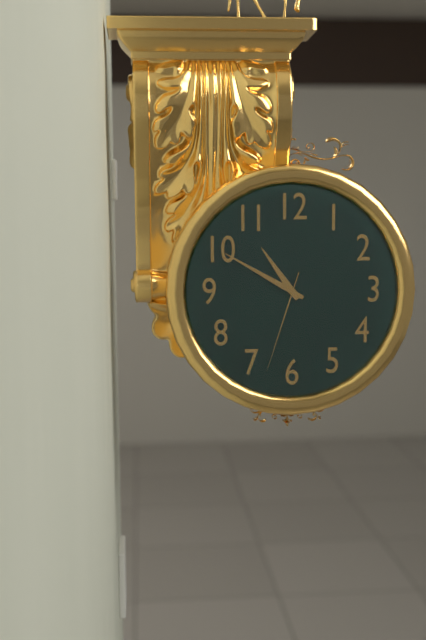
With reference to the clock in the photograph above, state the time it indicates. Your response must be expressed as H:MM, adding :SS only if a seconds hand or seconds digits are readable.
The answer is 10:50:33
